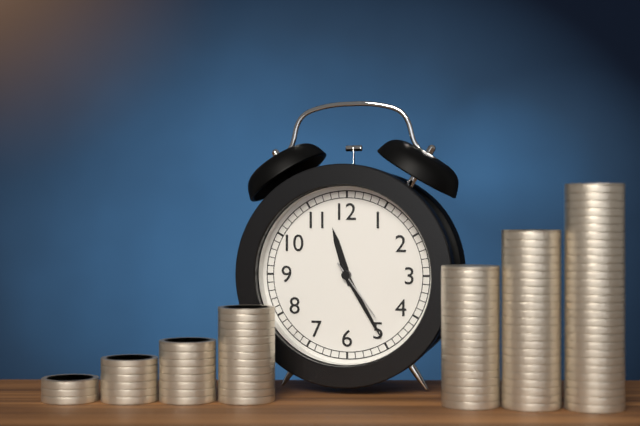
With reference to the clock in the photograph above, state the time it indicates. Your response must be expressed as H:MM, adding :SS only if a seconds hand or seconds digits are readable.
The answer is 11:25:24
